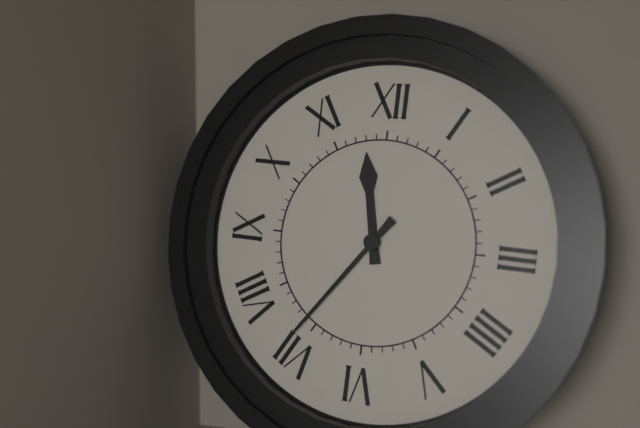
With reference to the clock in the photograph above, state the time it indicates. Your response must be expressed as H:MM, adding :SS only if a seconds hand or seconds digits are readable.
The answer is 11:36
